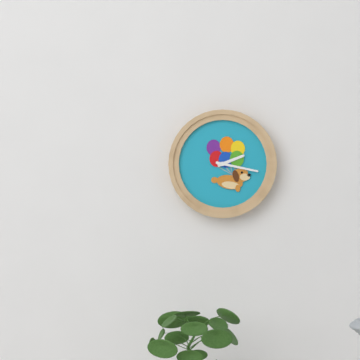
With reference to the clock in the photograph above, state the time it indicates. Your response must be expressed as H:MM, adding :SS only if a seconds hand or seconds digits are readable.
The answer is 2:17
